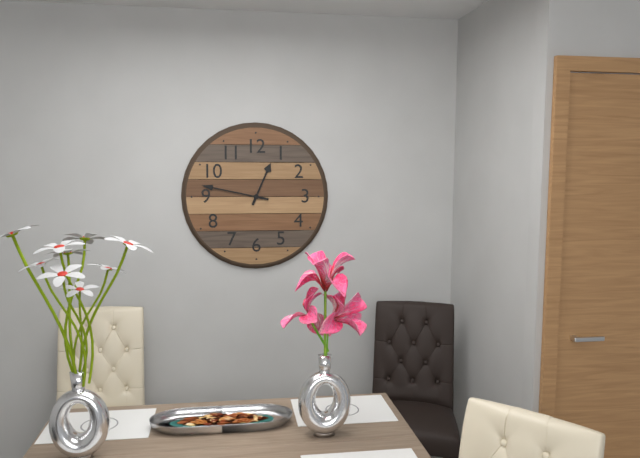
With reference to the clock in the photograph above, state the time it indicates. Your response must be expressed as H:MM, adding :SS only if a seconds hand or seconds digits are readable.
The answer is 12:47
